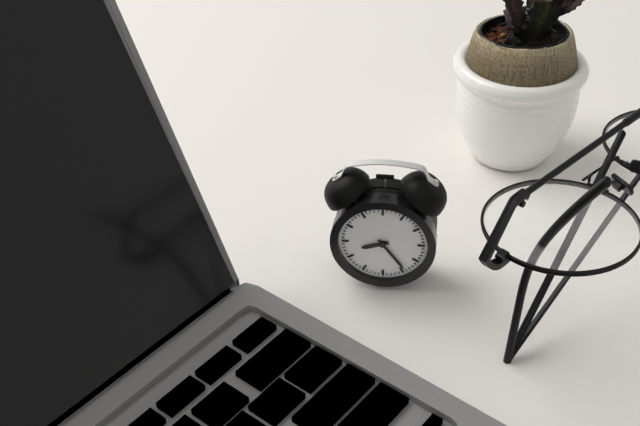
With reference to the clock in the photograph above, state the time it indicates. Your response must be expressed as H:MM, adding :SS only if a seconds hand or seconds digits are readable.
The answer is 8:24
